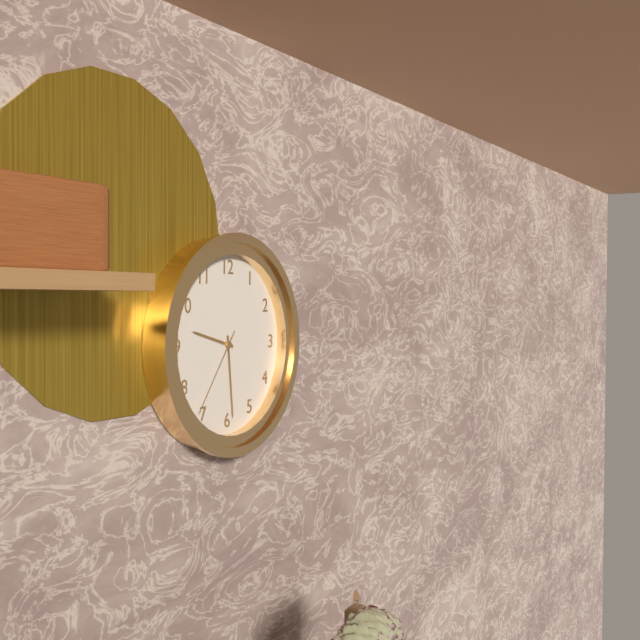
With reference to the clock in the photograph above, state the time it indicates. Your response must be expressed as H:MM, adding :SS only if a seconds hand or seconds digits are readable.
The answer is 9:29:36
